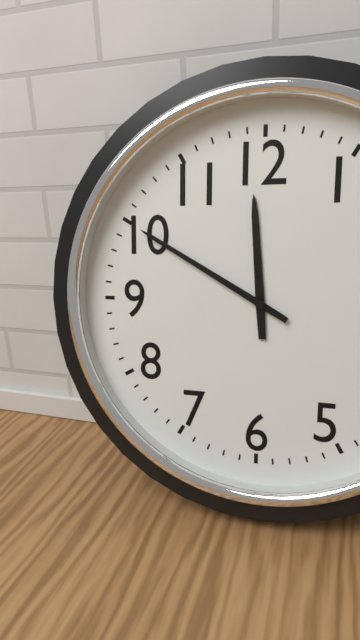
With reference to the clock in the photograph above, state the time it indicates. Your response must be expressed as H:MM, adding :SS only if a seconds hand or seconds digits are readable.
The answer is 11:50
